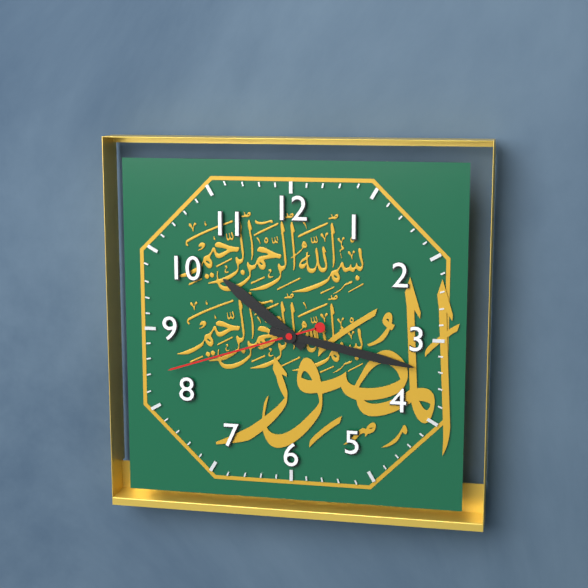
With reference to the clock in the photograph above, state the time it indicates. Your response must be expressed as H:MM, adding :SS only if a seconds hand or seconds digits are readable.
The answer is 10:17:42
